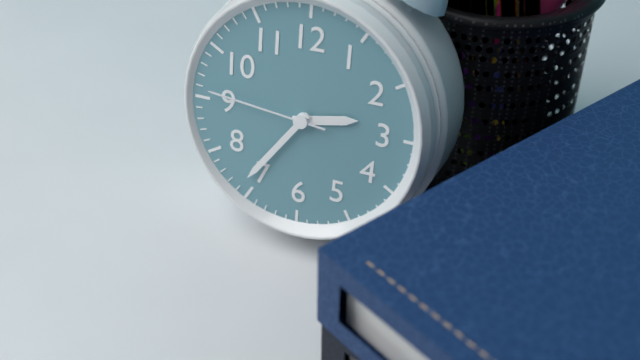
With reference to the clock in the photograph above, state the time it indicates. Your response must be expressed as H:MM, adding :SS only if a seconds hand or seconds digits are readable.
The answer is 2:36:46
